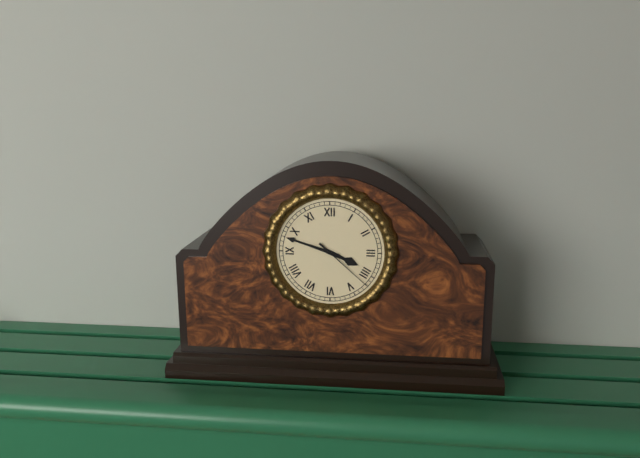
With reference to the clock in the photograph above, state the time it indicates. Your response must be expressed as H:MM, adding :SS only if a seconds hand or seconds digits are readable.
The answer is 3:48:22
